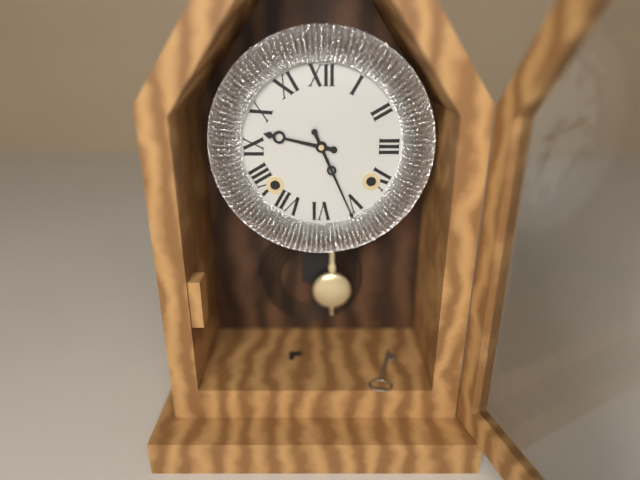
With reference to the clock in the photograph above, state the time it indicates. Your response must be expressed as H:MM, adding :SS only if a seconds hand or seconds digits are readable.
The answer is 9:26
